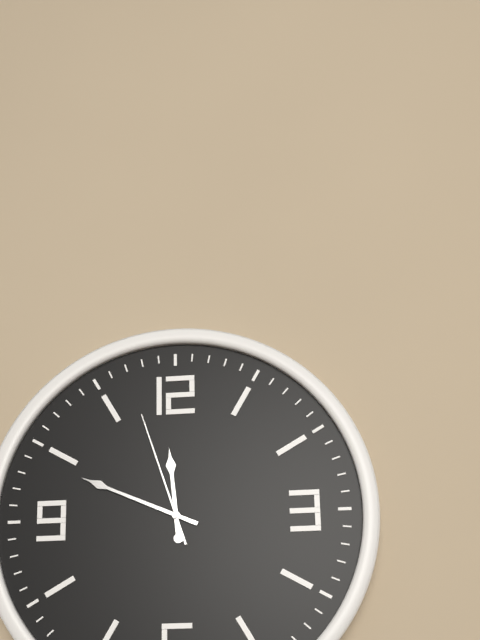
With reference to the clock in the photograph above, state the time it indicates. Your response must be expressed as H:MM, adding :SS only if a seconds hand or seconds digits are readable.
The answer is 11:49:57
